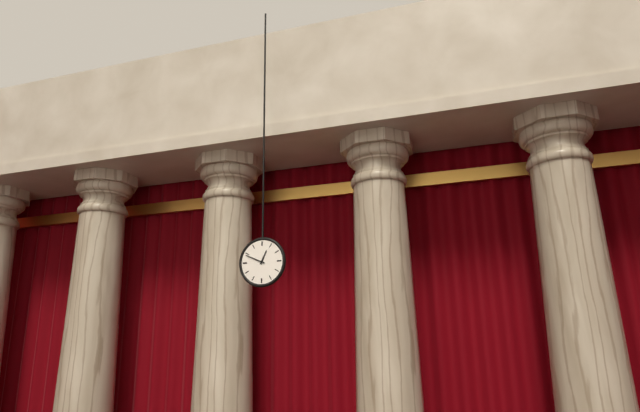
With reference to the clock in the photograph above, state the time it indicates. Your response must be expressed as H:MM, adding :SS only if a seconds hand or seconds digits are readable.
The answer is 12:49
